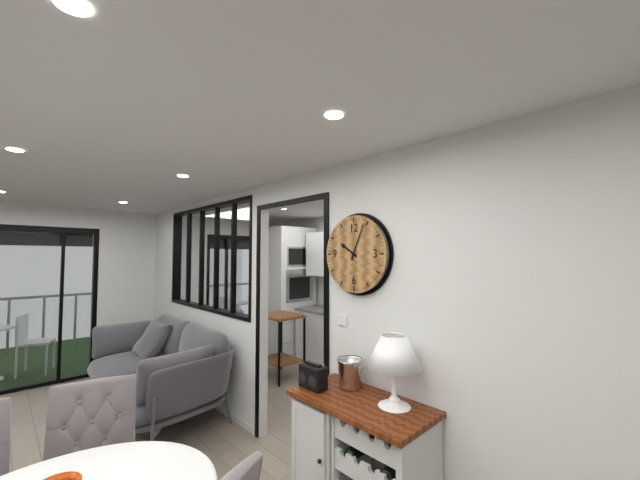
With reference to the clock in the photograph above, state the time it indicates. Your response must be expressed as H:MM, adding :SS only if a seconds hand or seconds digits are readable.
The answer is 10:04
